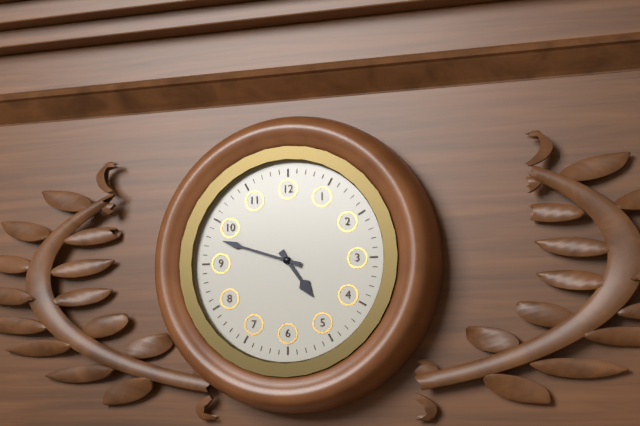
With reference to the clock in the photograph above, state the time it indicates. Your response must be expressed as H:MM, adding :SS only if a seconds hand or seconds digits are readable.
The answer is 4:48
